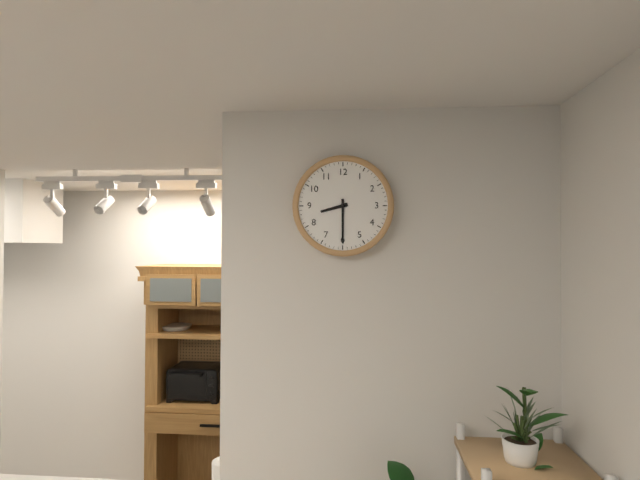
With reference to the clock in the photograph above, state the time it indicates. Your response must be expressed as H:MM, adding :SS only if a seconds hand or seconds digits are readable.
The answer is 8:30
